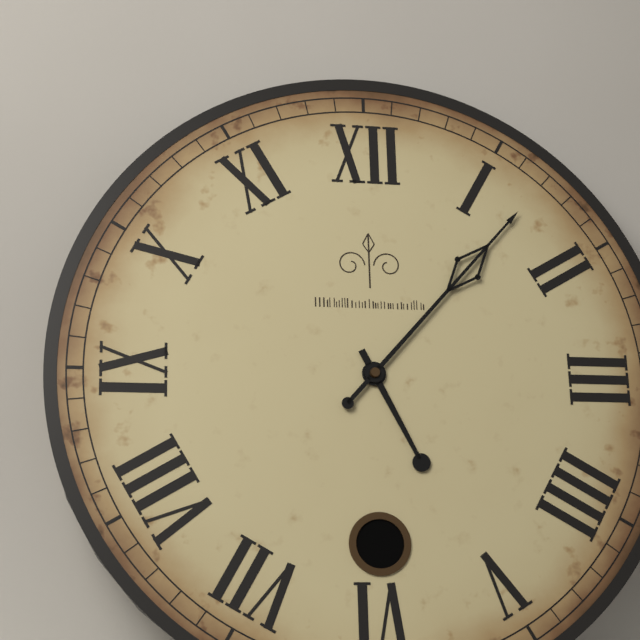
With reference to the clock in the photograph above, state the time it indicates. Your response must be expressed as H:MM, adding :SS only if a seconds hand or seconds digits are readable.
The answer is 5:07
